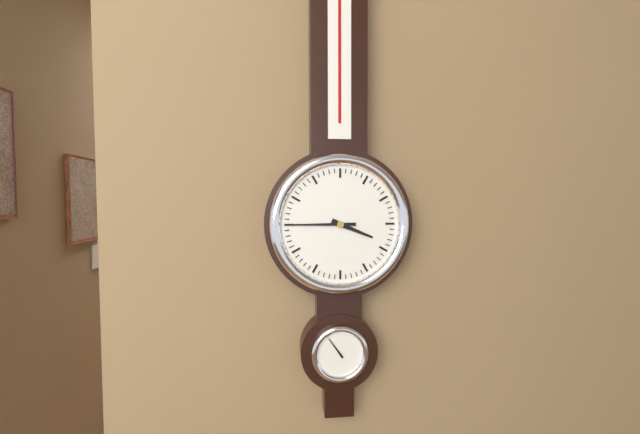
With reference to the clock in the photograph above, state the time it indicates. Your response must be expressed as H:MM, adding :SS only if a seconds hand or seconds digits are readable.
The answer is 3:45
